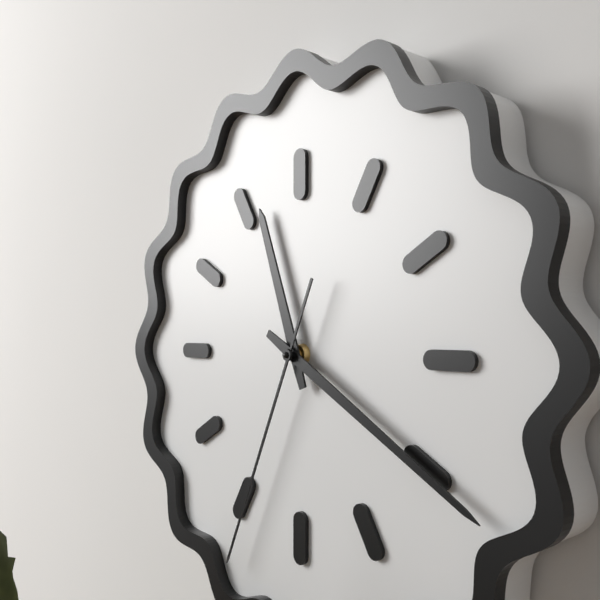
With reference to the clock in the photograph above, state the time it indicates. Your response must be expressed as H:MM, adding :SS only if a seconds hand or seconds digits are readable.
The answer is 11:20:34
